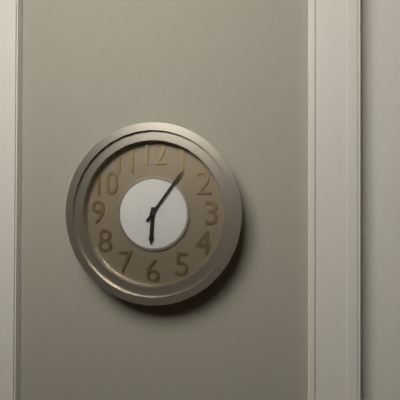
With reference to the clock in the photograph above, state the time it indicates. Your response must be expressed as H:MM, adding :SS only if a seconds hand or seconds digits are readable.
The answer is 6:06
